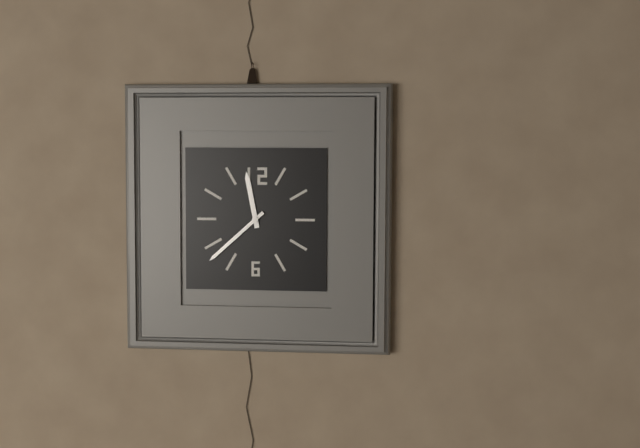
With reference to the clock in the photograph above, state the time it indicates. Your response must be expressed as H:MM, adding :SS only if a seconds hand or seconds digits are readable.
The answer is 11:38
